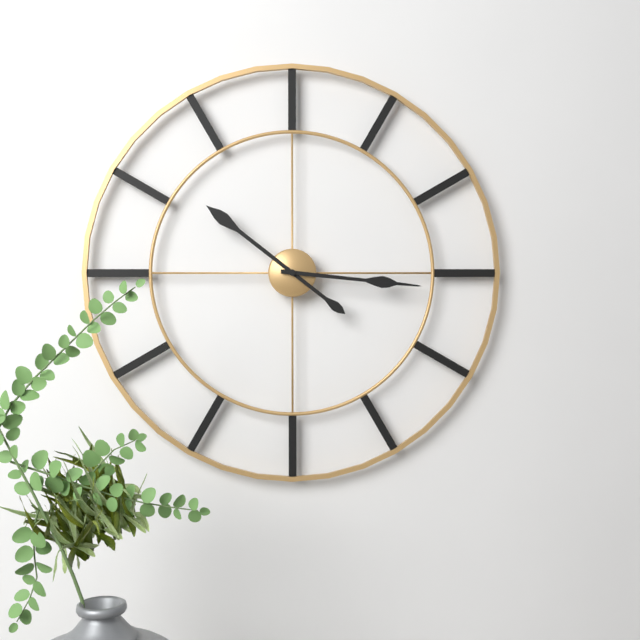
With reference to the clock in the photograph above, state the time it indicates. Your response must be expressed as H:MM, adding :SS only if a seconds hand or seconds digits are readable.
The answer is 10:16
